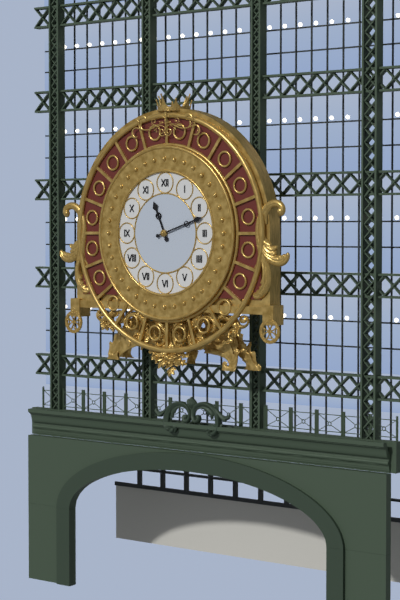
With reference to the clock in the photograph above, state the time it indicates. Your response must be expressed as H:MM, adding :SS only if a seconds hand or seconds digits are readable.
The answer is 11:12
